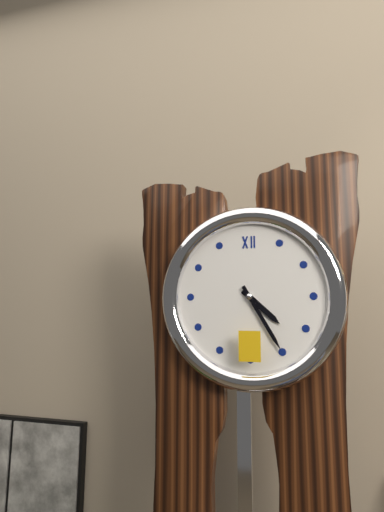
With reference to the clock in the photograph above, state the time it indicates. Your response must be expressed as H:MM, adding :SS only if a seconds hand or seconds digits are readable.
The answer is 4:25
